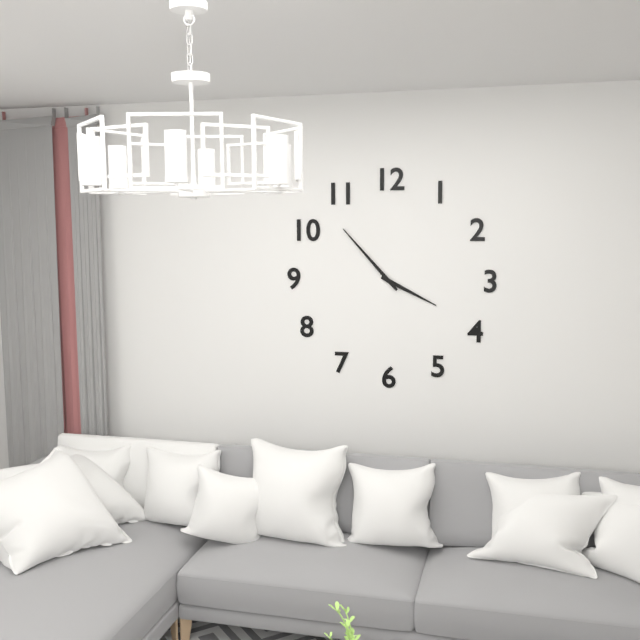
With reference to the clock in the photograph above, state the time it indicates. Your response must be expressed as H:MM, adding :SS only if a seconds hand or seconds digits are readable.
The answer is 3:53
